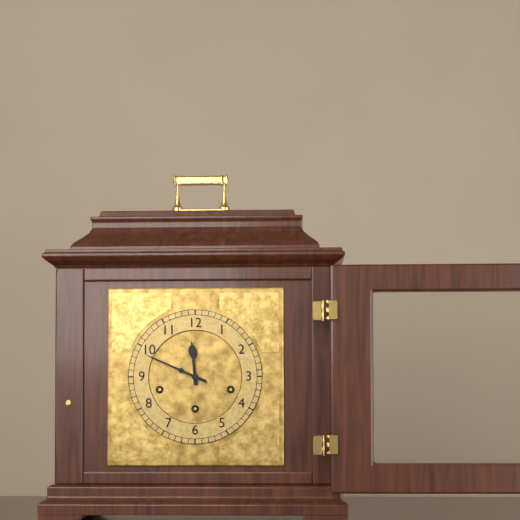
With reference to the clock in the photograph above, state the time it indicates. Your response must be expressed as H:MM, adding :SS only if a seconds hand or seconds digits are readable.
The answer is 11:49
